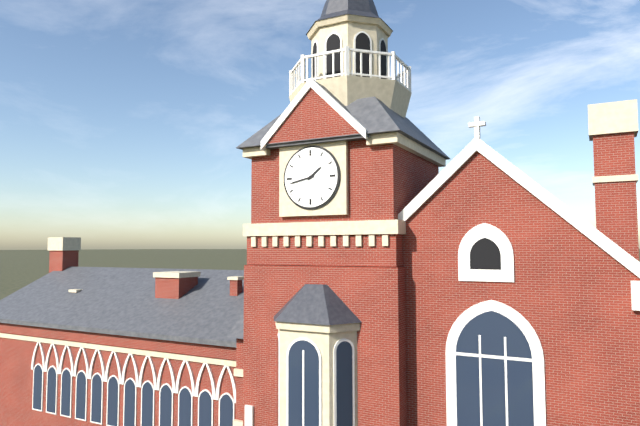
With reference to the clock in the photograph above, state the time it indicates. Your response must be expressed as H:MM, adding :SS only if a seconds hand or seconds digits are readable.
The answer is 1:43
